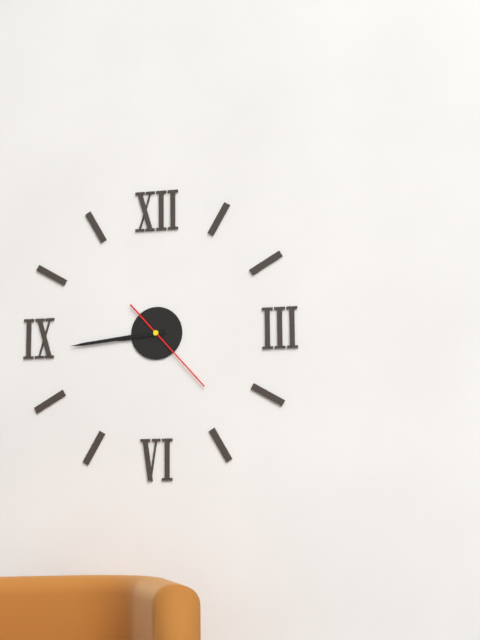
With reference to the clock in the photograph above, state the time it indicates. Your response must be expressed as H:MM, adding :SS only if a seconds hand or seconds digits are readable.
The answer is 8:44:23
